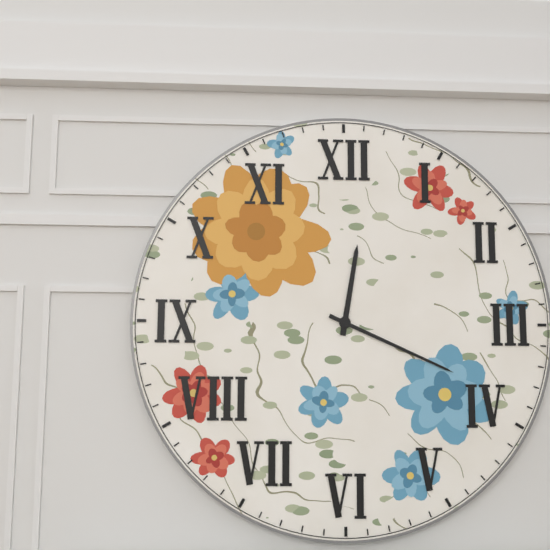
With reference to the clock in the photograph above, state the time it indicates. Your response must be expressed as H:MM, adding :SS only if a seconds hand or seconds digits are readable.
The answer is 12:19
